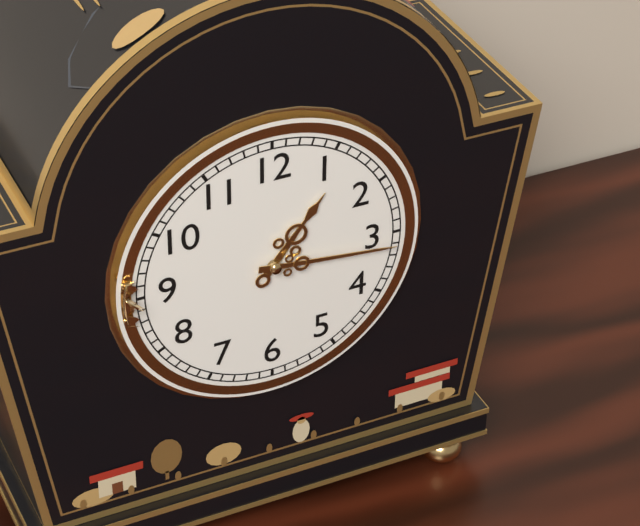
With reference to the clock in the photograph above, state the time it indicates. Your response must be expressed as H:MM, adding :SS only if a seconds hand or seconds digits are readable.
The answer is 1:16
